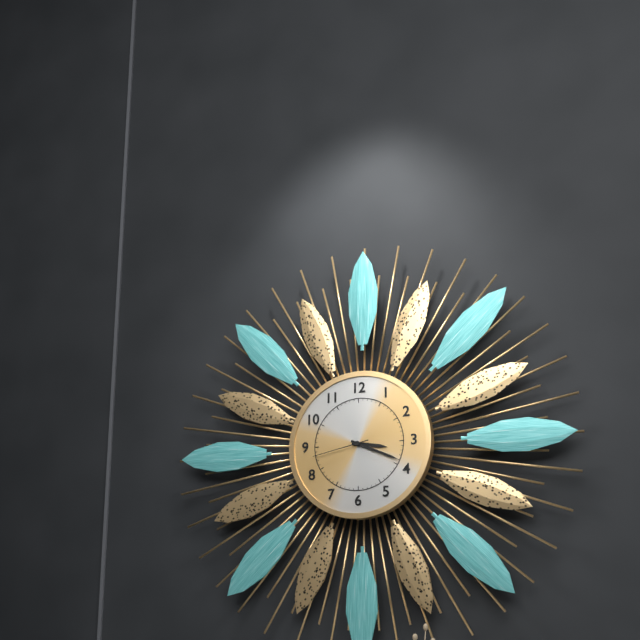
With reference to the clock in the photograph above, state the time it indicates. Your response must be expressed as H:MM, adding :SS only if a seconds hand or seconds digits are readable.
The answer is 3:19:43
